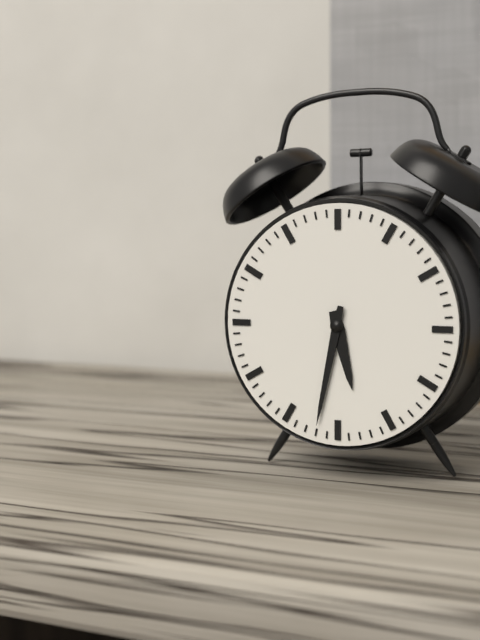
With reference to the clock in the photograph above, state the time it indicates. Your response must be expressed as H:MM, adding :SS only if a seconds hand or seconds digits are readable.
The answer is 5:32
